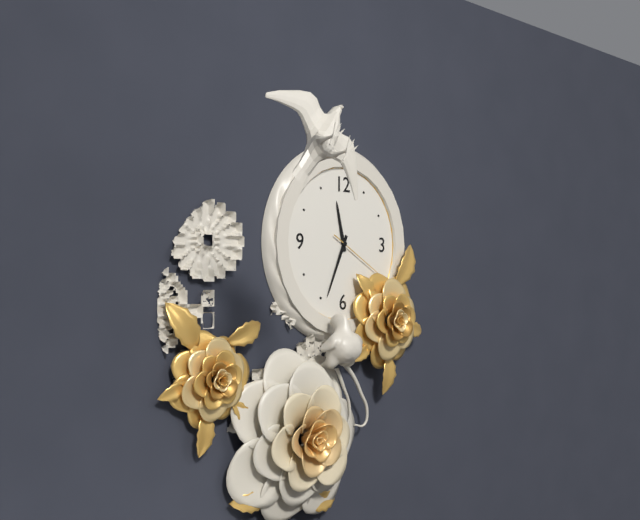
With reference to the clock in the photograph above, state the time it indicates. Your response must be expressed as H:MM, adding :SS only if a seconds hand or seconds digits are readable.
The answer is 11:34:20
